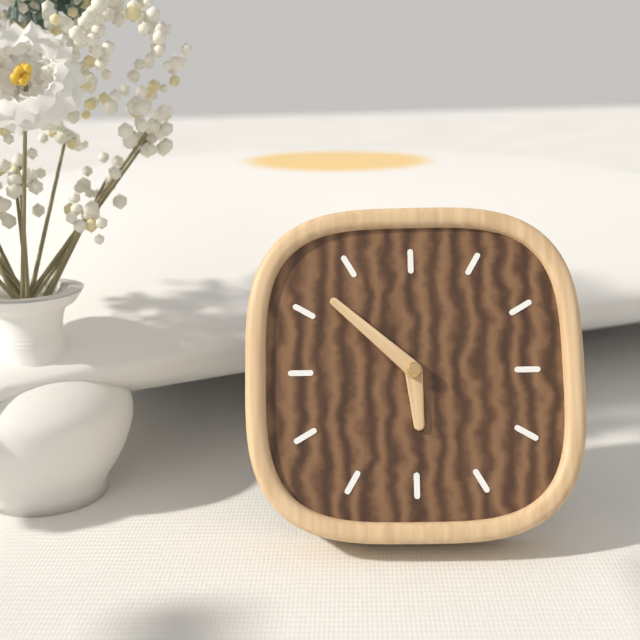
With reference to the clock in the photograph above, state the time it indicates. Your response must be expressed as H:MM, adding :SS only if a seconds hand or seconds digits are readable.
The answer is 5:52
